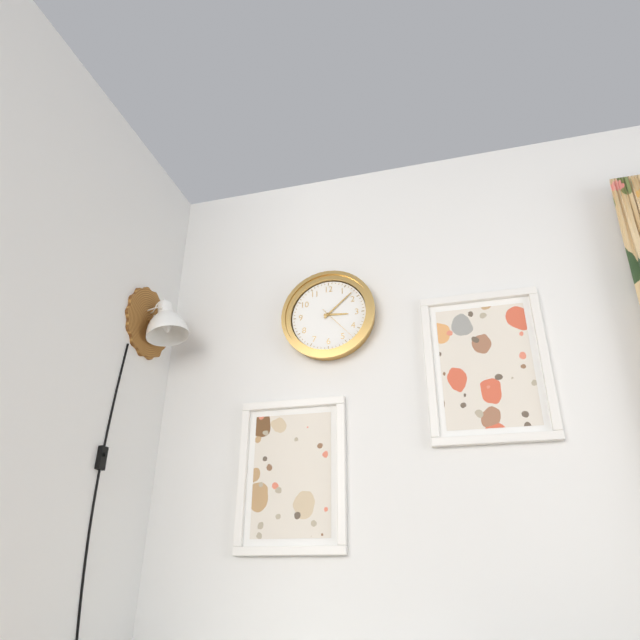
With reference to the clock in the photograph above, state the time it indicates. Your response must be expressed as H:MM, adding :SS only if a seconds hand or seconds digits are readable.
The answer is 3:08
